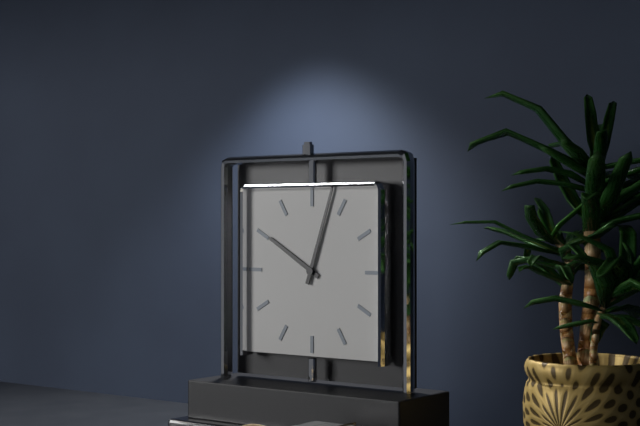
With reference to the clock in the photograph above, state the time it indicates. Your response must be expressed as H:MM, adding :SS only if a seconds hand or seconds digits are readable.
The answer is 10:03
